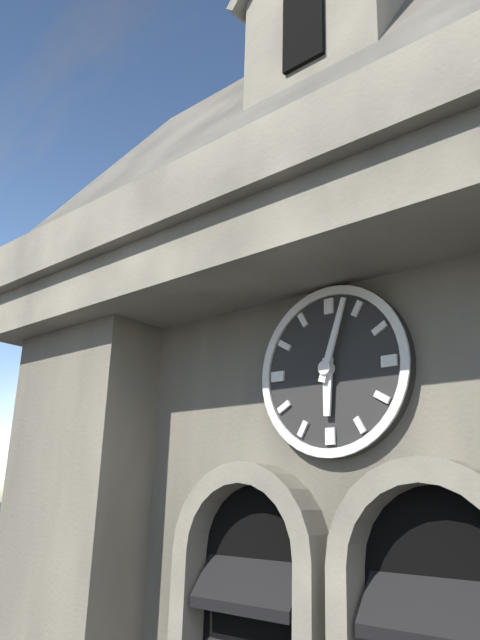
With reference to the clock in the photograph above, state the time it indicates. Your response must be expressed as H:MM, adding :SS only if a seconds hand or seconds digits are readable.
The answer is 6:03
